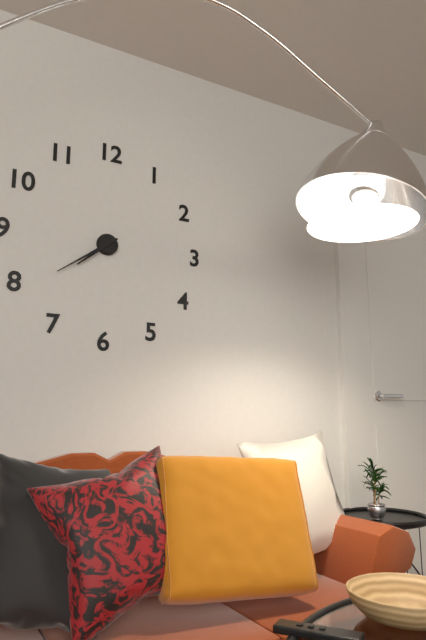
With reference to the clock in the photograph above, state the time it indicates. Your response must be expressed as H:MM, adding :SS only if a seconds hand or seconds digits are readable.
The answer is 7:39
